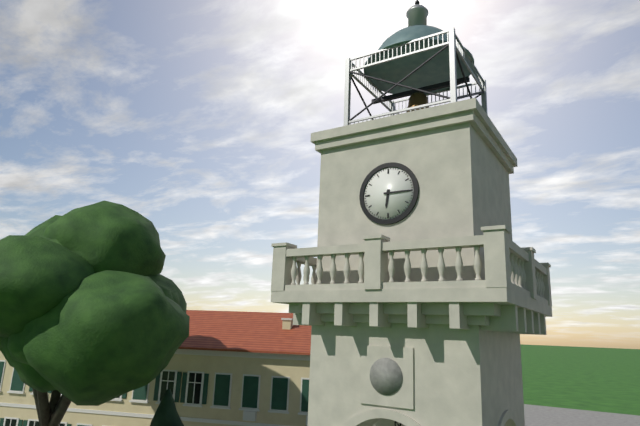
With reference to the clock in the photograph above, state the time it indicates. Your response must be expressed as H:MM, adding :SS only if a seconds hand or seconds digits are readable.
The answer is 6:15
